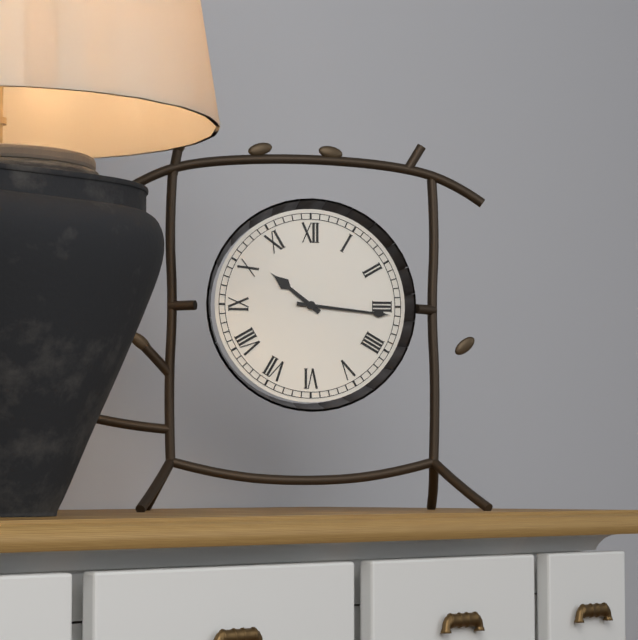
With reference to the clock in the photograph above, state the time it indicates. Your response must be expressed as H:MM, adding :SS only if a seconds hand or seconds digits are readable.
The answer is 10:16
